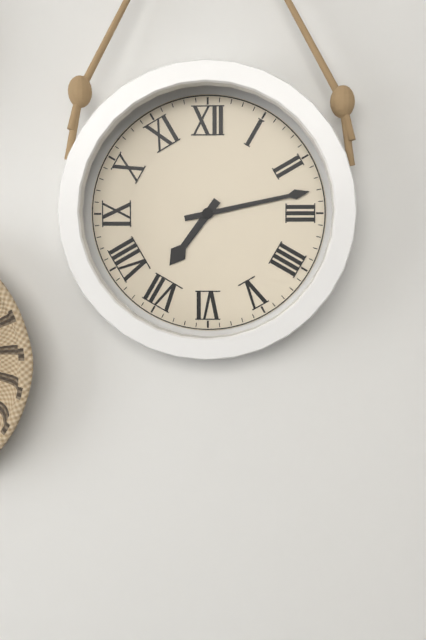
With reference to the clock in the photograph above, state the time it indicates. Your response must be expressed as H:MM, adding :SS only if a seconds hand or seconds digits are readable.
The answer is 7:13
